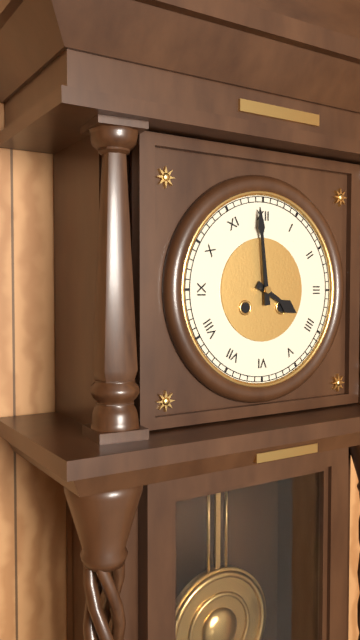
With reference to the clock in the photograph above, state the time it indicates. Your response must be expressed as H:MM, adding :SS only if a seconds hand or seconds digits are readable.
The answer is 3:59
